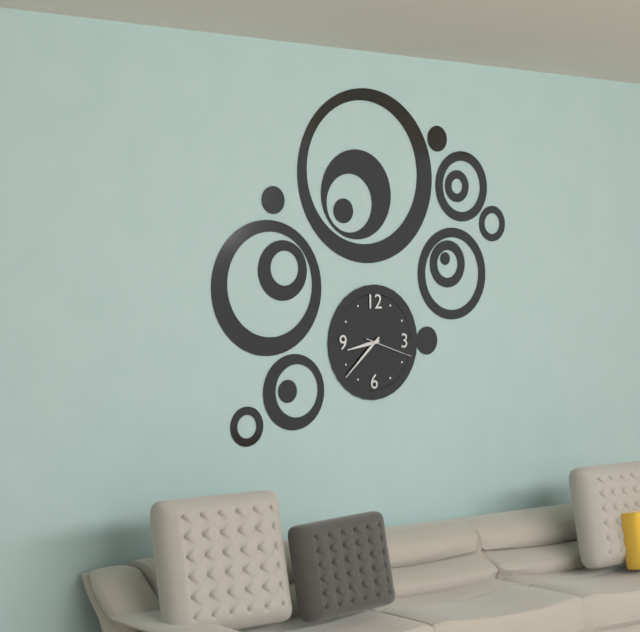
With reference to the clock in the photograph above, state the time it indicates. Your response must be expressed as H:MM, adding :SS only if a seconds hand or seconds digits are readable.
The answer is 8:38
